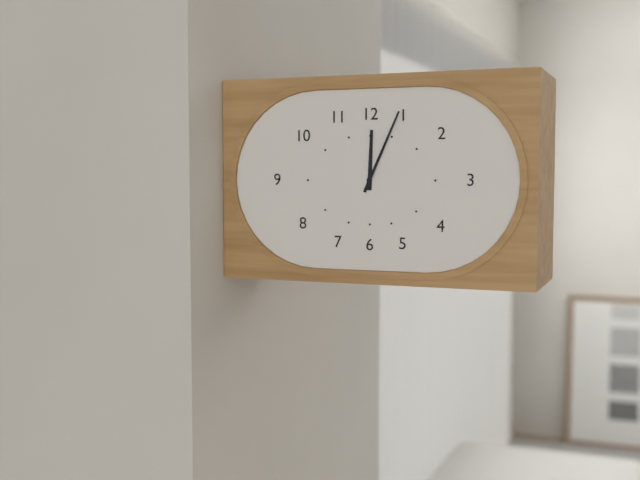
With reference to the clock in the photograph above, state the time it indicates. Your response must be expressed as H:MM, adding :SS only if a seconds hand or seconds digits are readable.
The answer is 12:04
